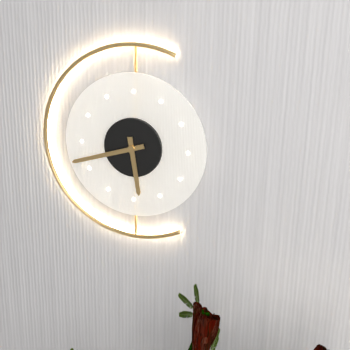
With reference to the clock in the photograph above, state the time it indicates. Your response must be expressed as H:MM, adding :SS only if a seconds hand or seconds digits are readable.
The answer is 5:42
